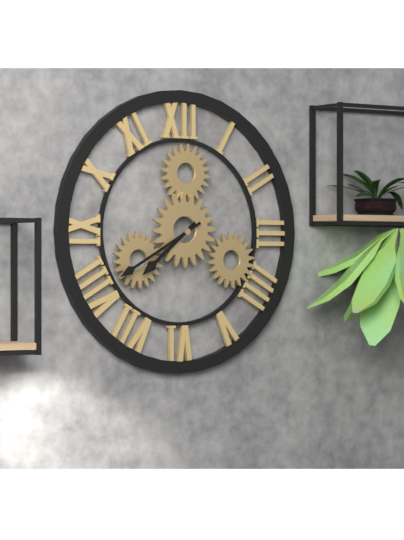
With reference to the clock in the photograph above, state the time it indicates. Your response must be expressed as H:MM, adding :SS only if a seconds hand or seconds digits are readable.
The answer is 7:40
